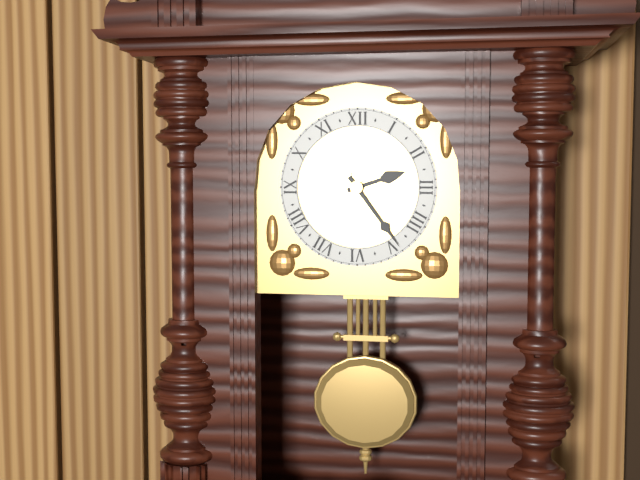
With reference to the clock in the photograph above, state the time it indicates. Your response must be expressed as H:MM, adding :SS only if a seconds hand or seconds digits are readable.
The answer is 2:24
